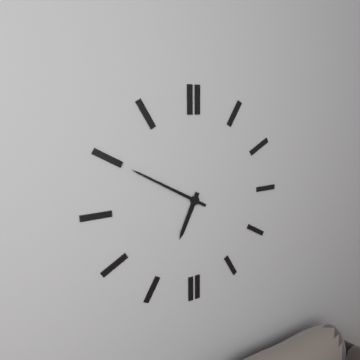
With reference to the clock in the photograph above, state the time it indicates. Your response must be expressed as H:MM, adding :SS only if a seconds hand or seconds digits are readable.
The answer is 6:50
